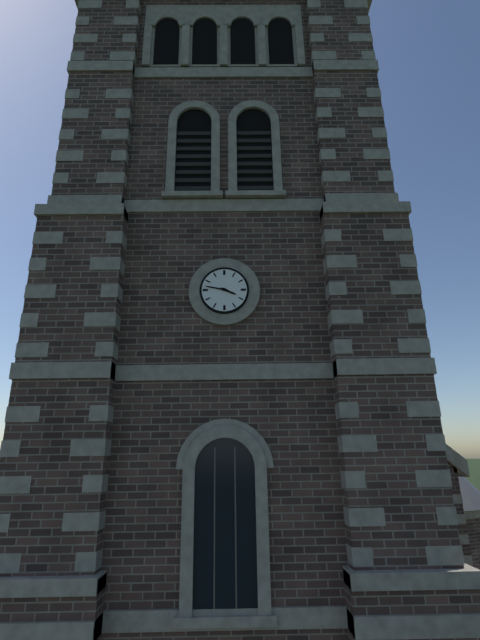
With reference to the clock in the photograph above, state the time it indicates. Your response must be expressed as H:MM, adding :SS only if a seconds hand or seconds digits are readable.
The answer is 3:47
